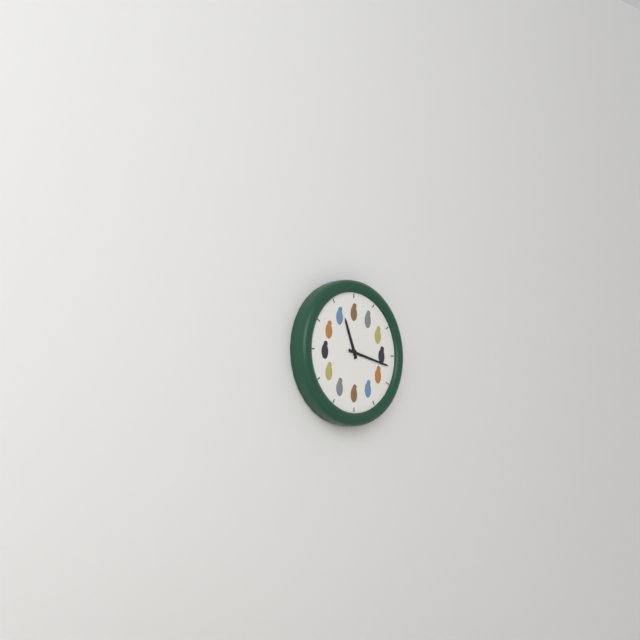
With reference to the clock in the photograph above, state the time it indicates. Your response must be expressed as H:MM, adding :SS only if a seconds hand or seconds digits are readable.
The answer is 11:17
